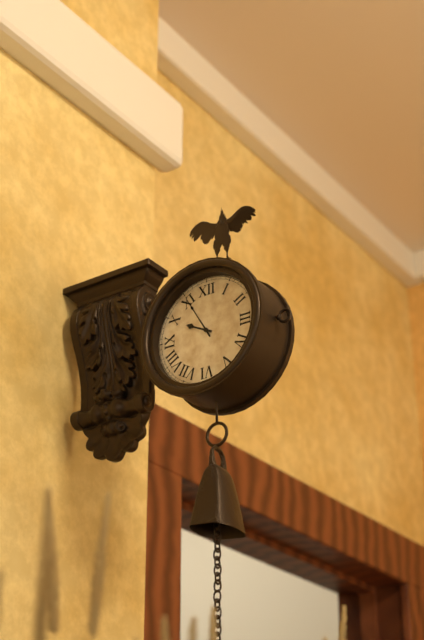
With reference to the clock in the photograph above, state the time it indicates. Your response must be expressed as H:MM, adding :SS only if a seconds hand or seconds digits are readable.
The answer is 9:55
